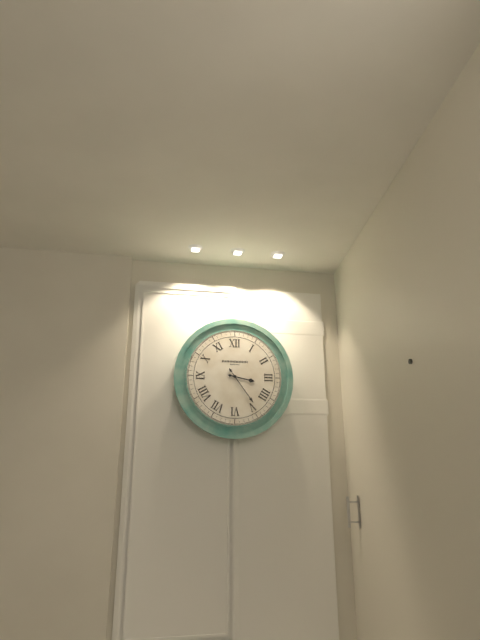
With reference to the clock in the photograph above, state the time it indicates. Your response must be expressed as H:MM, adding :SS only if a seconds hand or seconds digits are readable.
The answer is 3:24
